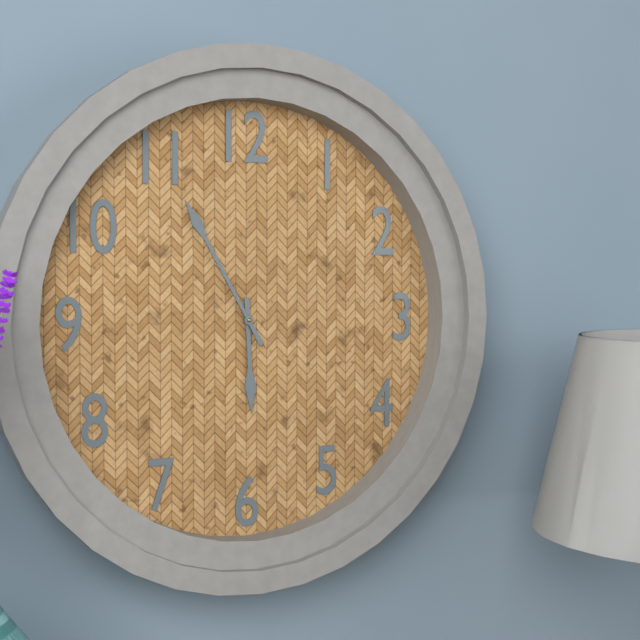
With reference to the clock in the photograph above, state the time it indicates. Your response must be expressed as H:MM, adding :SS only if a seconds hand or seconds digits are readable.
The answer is 5:55
